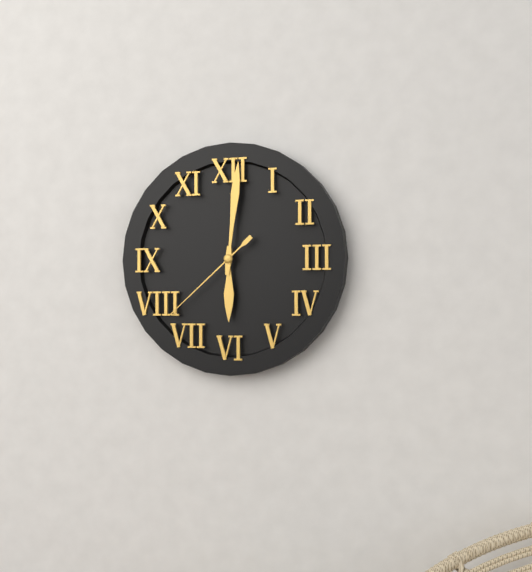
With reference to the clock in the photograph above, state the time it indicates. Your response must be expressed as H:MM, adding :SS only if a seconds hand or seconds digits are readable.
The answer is 6:01:38
